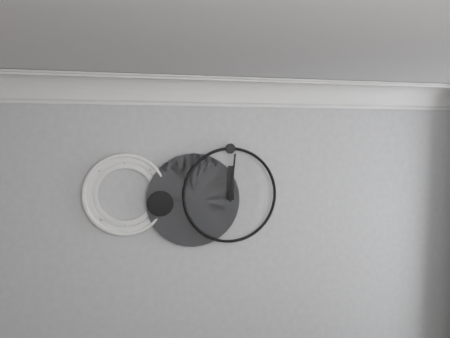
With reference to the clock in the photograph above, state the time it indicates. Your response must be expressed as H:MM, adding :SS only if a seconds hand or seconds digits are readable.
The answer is 12:01
